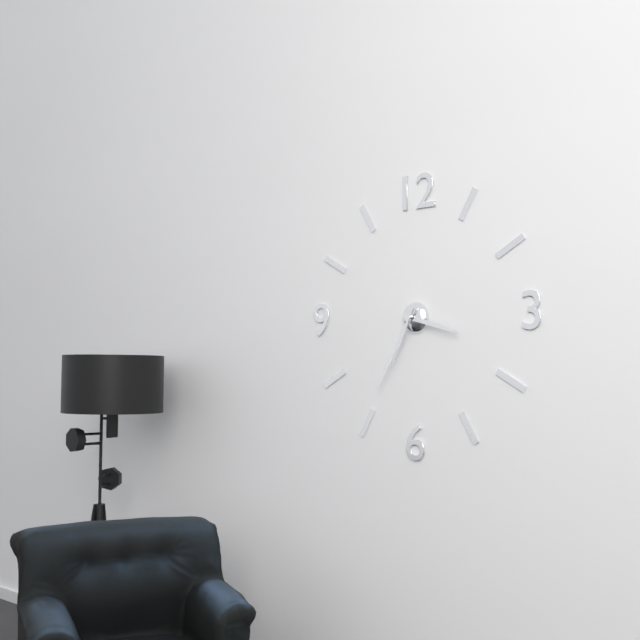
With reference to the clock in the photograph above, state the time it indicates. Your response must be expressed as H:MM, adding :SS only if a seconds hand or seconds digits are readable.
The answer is 3:35:34
